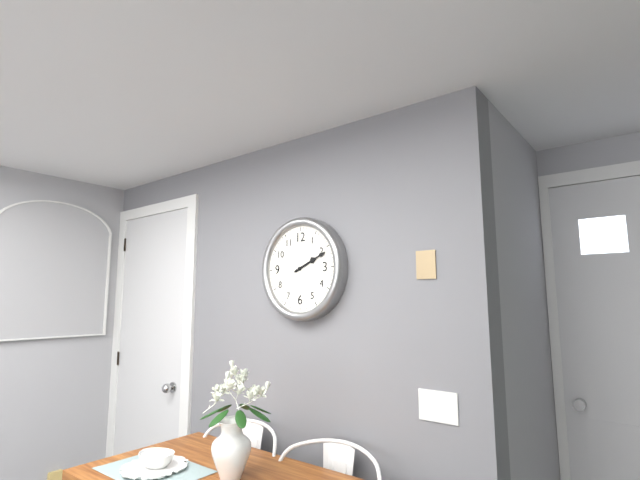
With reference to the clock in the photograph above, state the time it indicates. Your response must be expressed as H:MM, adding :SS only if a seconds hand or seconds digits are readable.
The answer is 2:11
